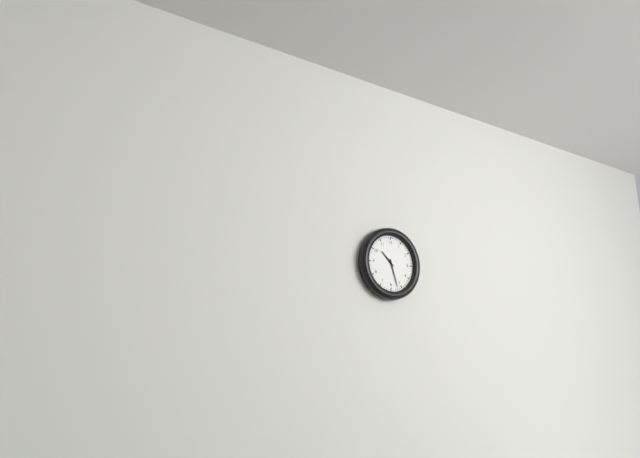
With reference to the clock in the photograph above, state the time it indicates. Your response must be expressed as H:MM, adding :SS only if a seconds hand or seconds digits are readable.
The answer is 10:27
